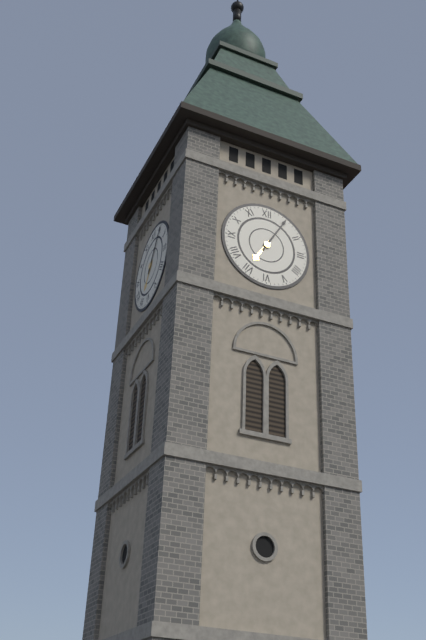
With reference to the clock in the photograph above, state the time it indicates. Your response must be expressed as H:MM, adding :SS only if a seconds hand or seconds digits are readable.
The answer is 7:05
